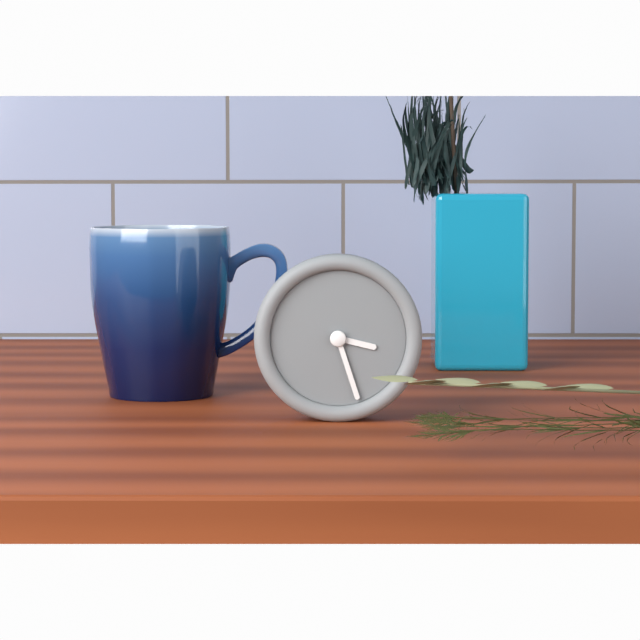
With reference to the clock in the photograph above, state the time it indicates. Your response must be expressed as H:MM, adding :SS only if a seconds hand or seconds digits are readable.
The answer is 3:27
